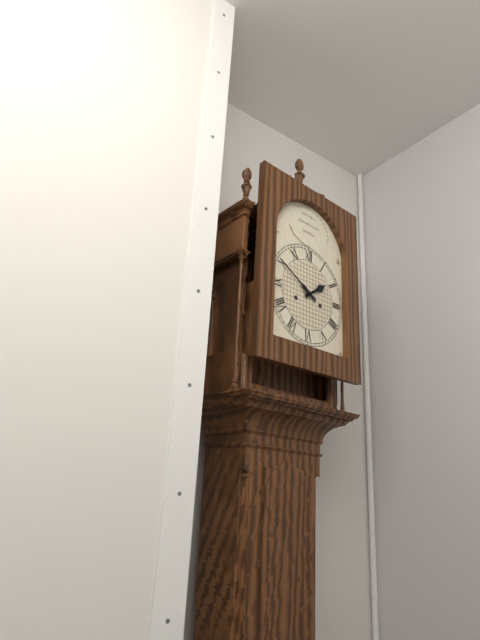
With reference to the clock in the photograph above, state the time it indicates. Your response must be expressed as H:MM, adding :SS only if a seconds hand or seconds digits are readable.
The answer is 1:50
